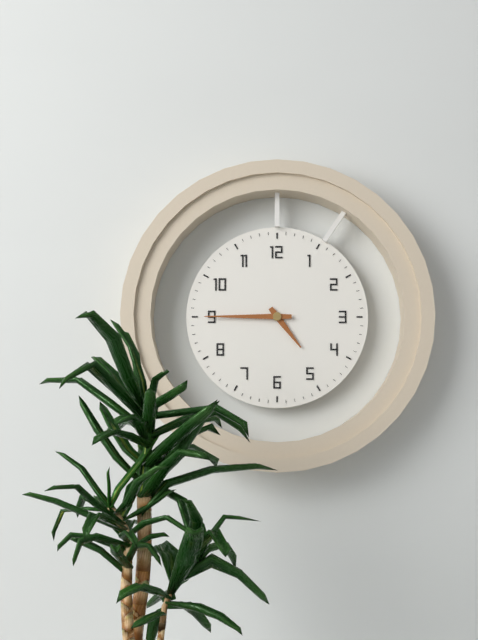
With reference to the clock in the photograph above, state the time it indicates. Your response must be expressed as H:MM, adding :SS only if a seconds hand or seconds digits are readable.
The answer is 4:45
